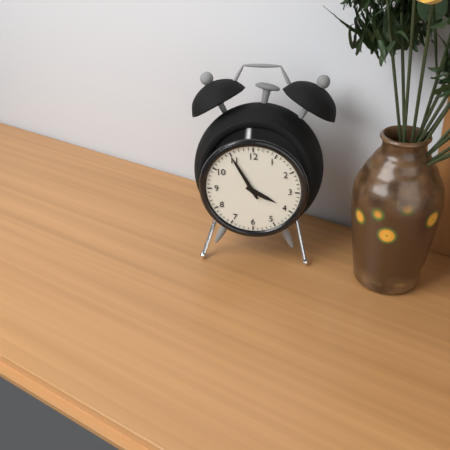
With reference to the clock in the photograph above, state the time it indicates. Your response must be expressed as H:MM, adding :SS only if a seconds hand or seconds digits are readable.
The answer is 3:55
